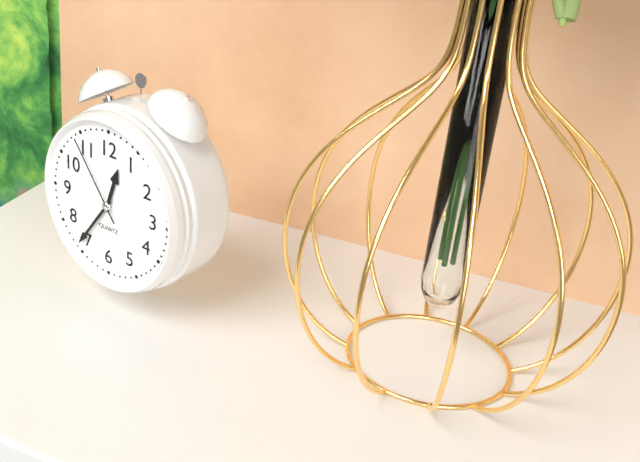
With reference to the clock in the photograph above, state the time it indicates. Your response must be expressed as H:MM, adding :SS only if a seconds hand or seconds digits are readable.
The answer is 12:36:54
